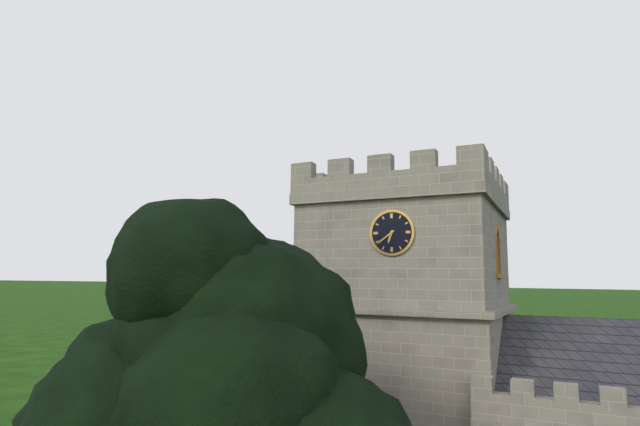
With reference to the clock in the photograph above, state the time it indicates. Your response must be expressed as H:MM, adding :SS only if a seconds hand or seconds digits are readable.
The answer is 6:39
